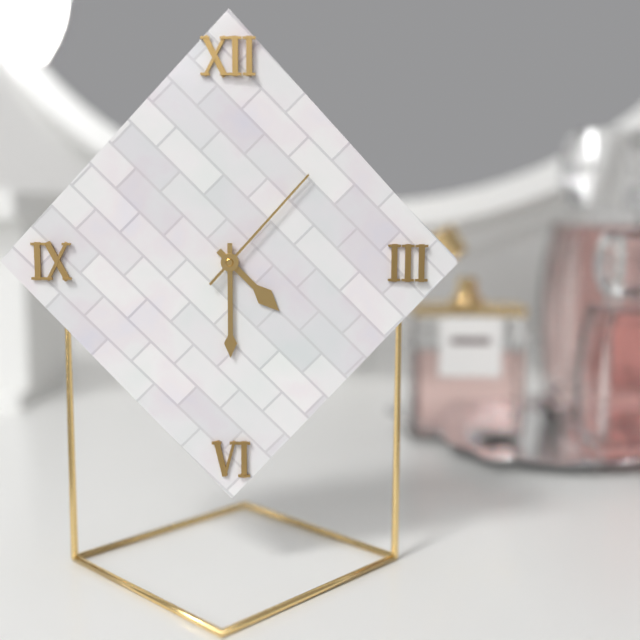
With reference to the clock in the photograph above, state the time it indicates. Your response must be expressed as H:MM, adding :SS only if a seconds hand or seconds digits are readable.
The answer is 4:30:07
